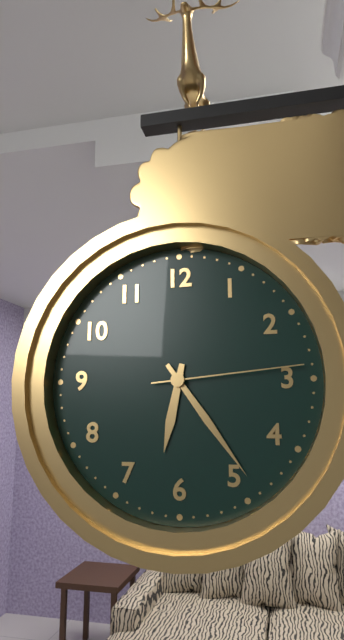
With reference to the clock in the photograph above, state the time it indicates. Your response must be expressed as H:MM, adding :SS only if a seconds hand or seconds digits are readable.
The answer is 6:24:14
